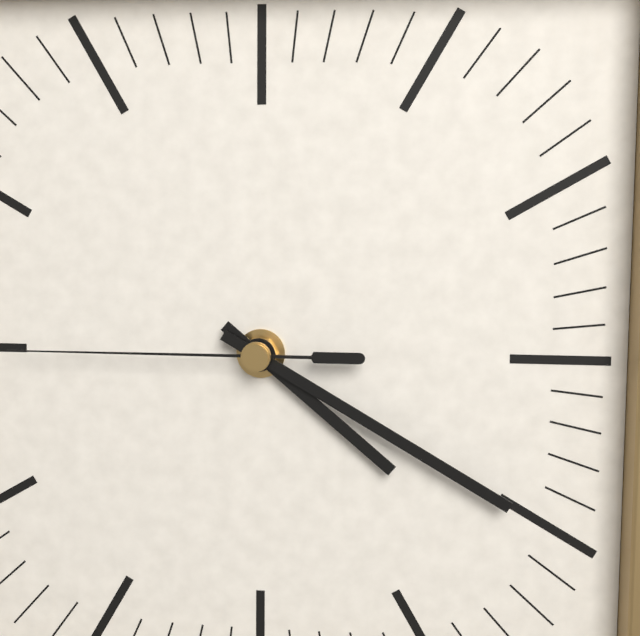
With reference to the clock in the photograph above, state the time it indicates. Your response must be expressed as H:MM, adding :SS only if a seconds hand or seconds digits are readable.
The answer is 4:20:45
